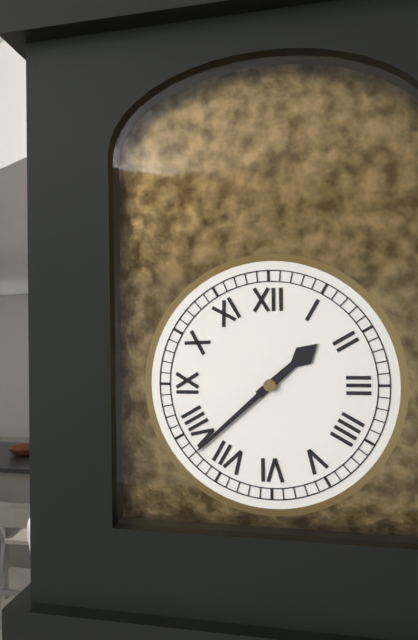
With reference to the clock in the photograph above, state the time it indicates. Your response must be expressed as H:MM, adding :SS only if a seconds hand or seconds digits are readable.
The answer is 1:38
